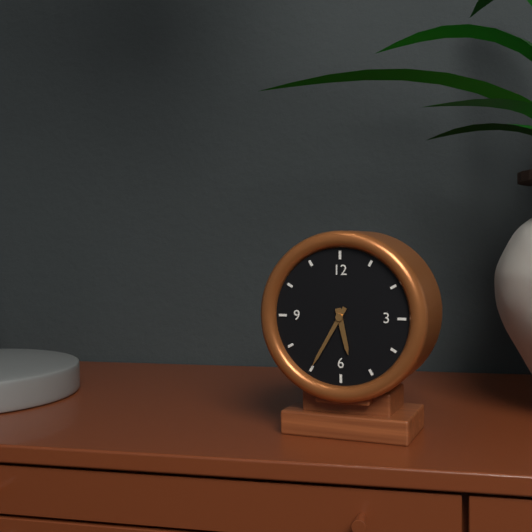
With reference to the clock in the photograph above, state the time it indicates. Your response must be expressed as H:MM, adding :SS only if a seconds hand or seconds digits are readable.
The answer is 5:35
